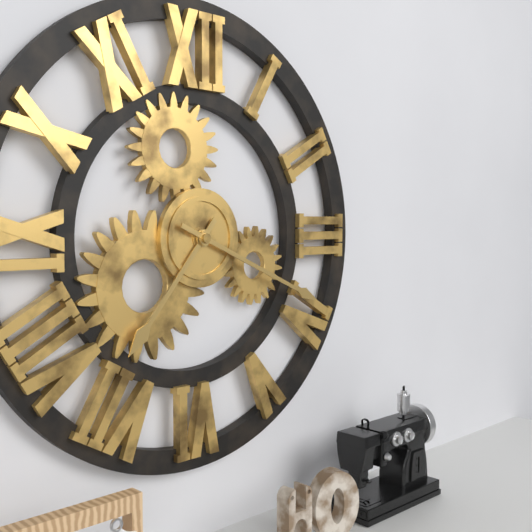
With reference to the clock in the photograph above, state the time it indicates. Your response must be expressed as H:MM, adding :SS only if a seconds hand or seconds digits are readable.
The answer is 7:19
